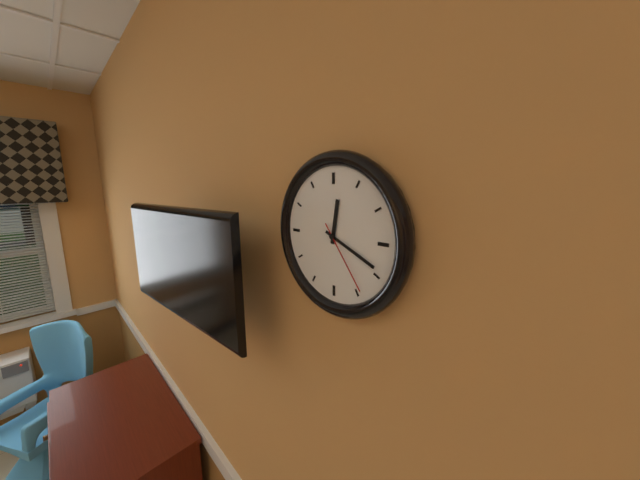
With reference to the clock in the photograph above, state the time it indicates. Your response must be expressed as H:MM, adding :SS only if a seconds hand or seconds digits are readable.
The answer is 12:19:24
